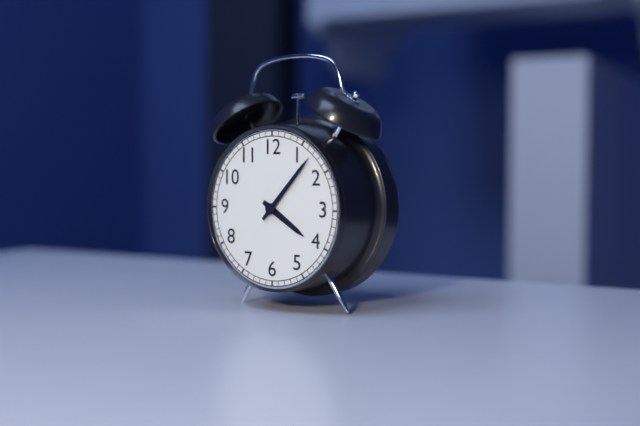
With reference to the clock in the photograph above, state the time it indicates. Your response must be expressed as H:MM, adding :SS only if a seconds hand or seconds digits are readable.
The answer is 4:07
